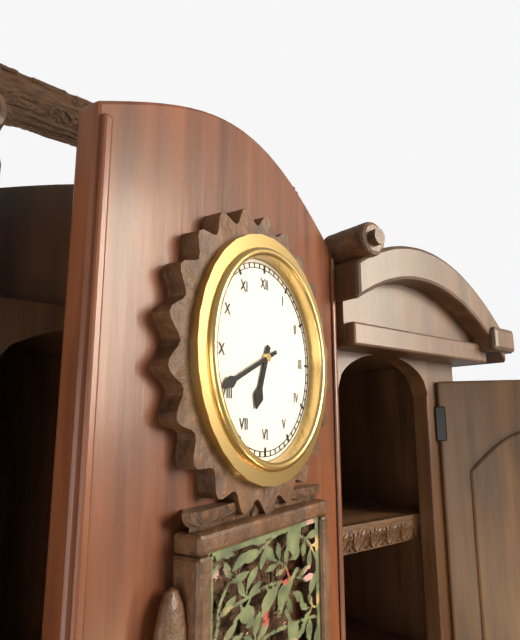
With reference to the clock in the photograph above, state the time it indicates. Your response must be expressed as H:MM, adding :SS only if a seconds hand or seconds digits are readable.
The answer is 6:41
